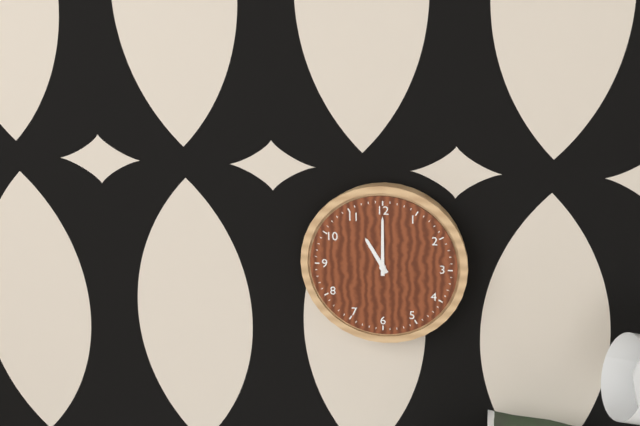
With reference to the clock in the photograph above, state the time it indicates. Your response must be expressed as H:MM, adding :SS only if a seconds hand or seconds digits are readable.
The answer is 11:00
